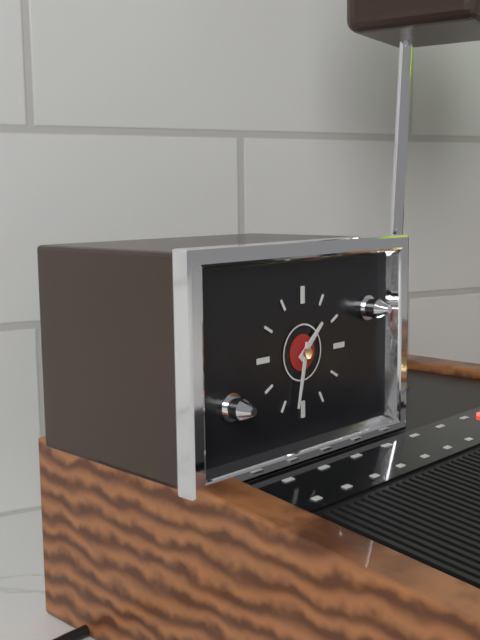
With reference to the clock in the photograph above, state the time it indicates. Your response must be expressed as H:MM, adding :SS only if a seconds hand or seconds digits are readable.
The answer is 1:32
